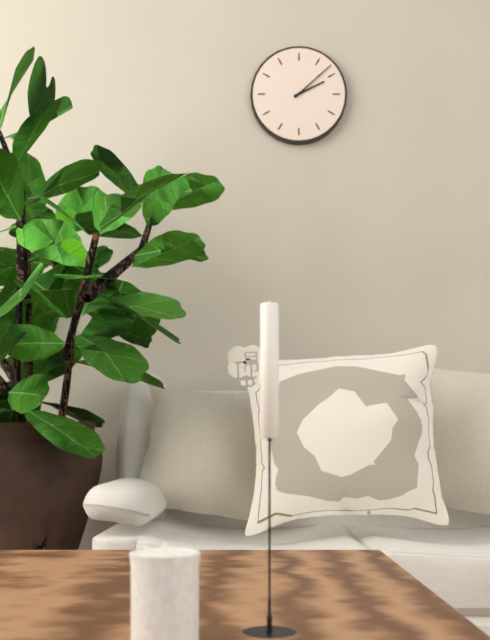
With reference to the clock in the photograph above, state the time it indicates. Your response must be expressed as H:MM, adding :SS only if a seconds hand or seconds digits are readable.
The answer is 2:08
